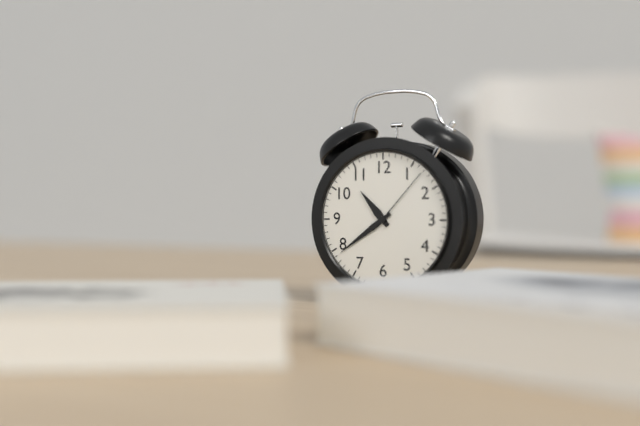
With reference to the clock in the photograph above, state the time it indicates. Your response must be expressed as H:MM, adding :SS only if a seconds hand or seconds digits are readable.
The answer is 10:39:07
